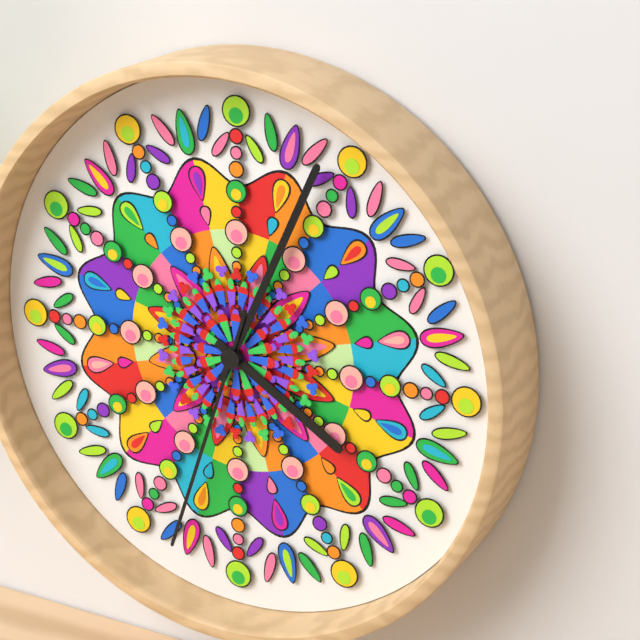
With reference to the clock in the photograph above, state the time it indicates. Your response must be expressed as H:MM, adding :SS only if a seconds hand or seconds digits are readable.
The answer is 4:04:33
